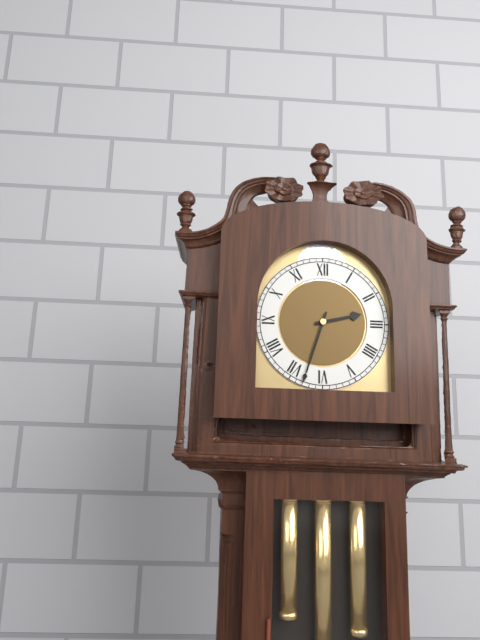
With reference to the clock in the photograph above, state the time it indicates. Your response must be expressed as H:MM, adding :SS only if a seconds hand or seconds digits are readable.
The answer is 2:33
